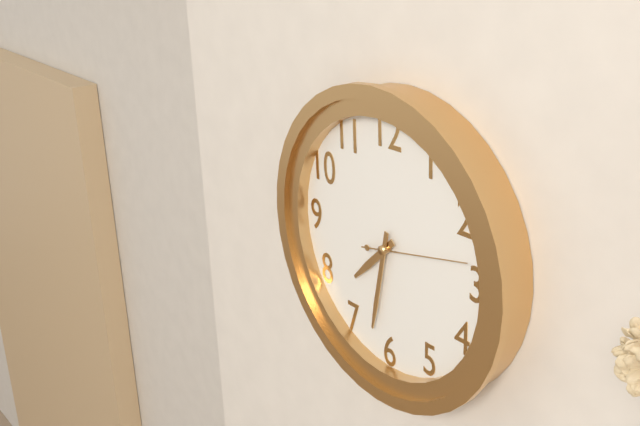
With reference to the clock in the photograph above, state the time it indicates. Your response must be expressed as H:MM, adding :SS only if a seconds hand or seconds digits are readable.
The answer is 7:32:13
